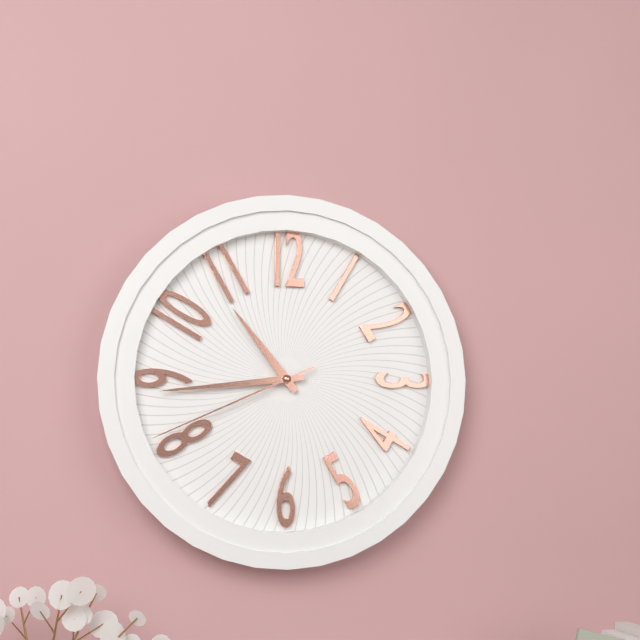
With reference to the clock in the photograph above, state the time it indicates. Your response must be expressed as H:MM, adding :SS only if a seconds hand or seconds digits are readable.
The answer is 10:44:41
